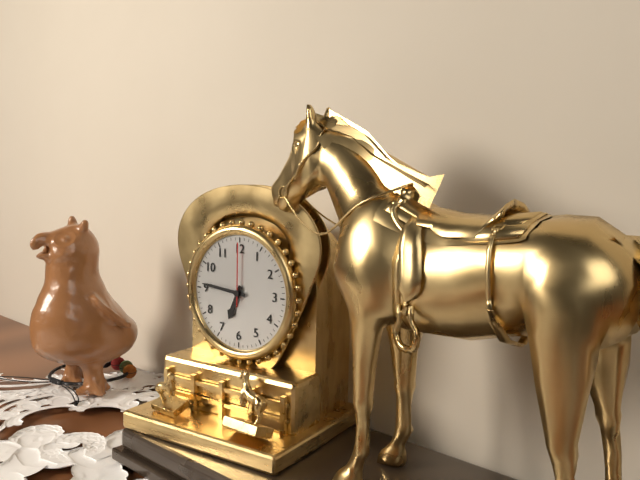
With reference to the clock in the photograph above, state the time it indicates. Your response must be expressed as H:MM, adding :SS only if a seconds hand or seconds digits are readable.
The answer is 6:46:00
